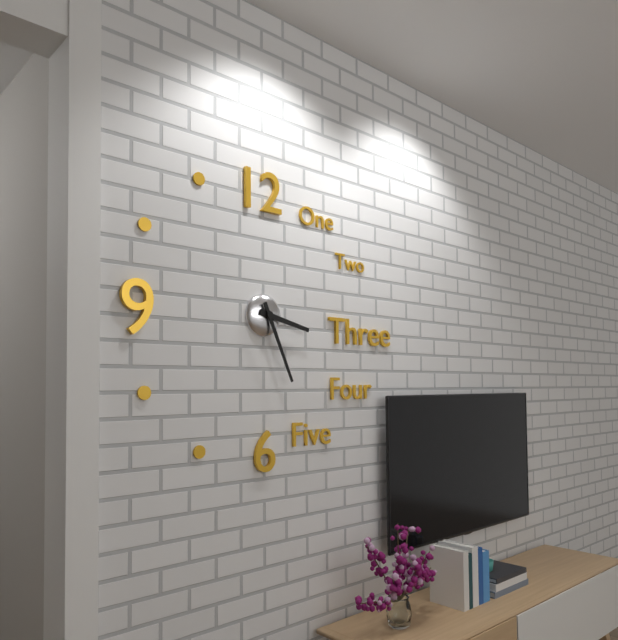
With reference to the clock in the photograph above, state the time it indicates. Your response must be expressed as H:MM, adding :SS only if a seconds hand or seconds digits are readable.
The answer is 3:26
